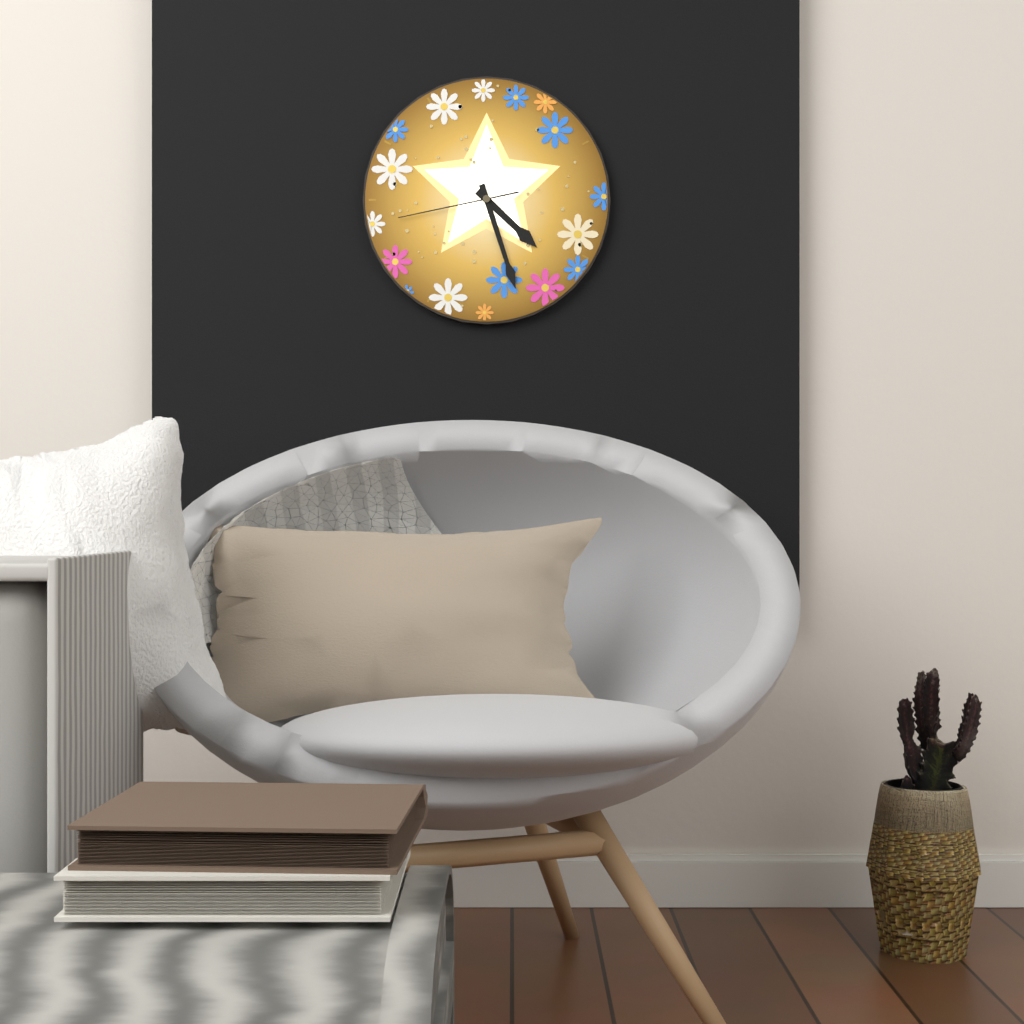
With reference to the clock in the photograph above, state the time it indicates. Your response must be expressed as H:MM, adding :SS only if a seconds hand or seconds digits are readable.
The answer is 4:27:43
